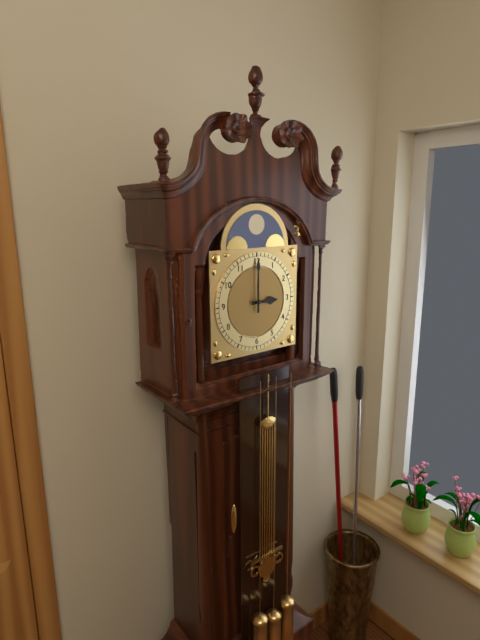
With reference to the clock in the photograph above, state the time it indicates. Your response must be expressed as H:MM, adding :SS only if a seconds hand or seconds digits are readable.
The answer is 3:00
